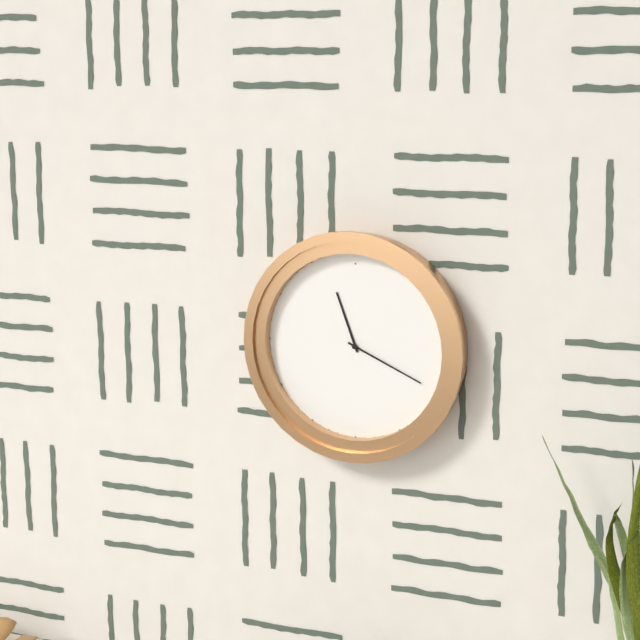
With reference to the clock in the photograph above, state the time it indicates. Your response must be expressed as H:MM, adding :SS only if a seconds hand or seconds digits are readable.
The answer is 11:19
